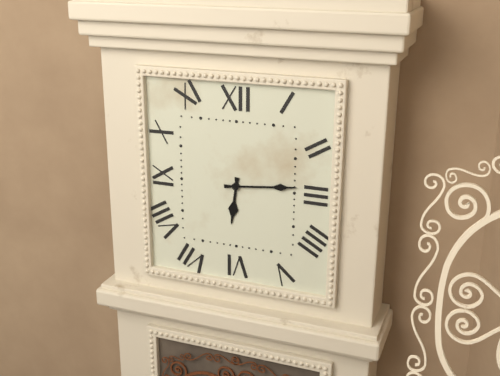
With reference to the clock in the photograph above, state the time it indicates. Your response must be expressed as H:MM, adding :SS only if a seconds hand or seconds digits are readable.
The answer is 6:14
